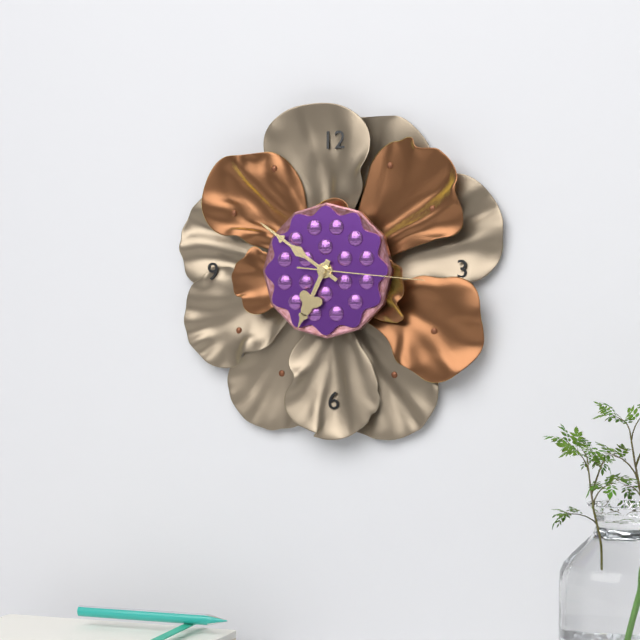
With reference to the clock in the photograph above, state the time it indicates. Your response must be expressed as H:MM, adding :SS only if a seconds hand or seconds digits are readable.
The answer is 6:51:16
